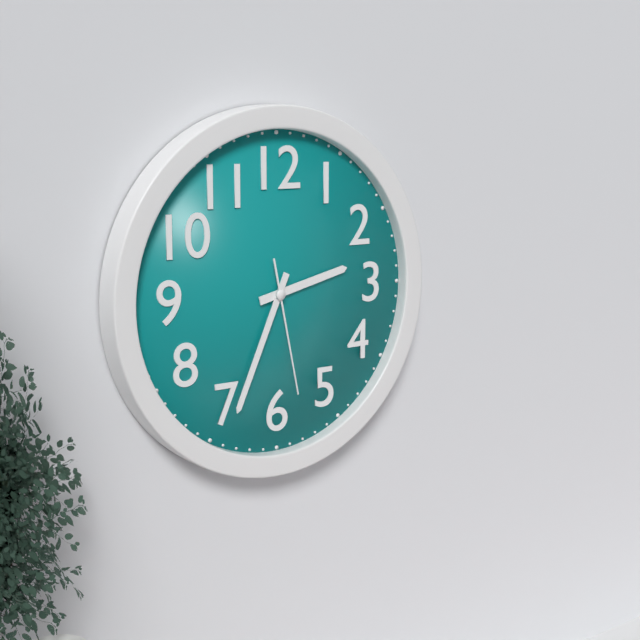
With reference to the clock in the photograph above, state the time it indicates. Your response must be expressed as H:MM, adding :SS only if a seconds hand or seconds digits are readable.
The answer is 2:34:28
